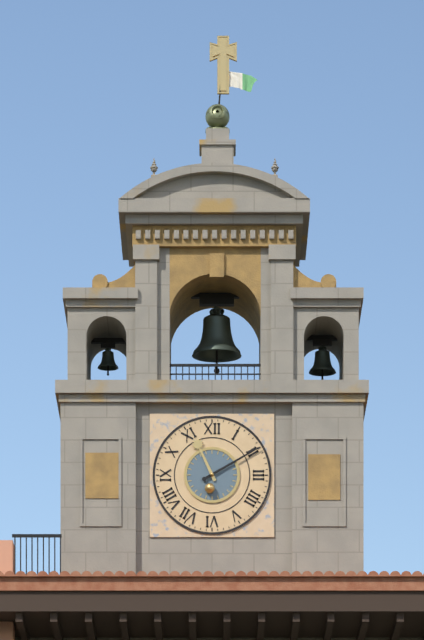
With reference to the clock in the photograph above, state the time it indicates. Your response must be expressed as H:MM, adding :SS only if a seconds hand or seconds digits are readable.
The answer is 11:10
